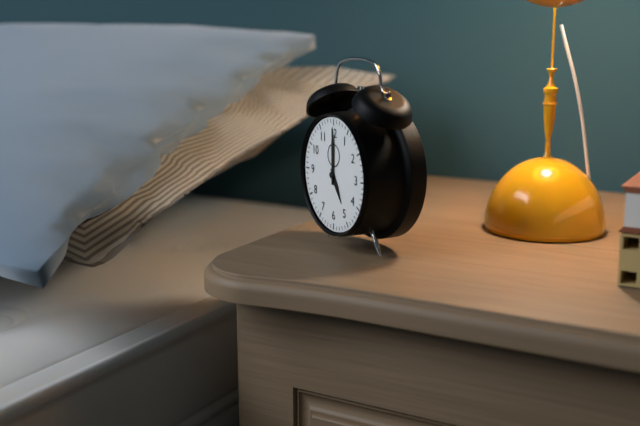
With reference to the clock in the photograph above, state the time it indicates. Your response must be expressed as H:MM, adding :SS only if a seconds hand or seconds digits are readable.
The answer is 5:00
